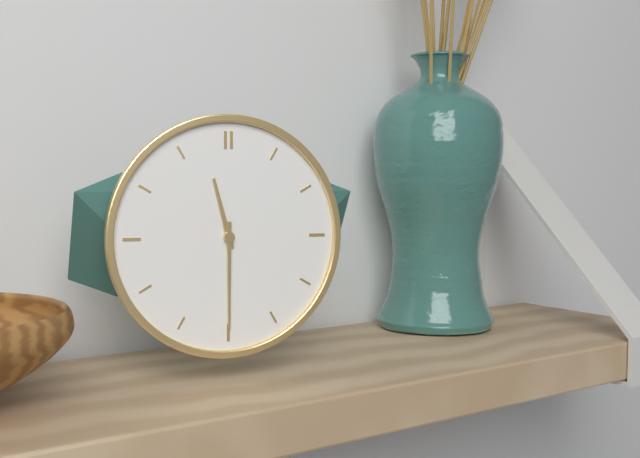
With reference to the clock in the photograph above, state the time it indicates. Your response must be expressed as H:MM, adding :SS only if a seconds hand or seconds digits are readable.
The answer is 11:30
